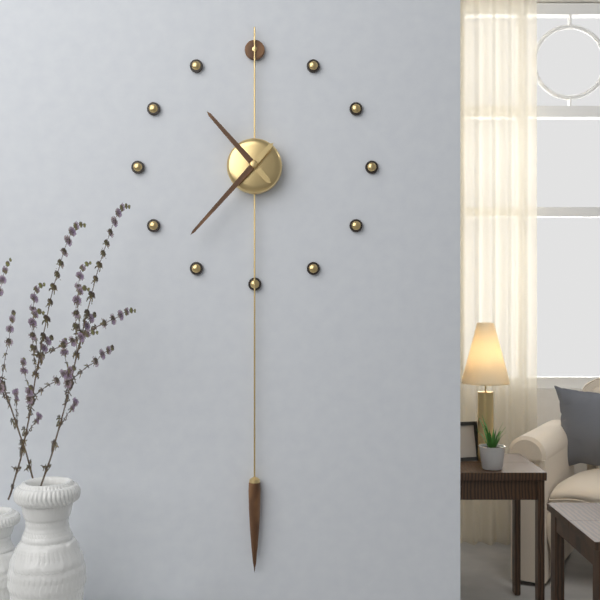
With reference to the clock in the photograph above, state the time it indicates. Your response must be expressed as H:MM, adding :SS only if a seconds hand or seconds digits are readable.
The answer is 10:37
